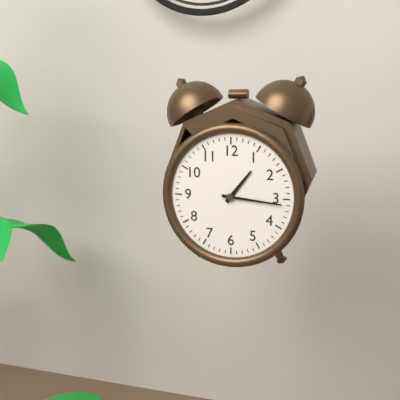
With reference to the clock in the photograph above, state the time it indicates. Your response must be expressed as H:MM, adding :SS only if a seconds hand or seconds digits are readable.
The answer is 1:16
